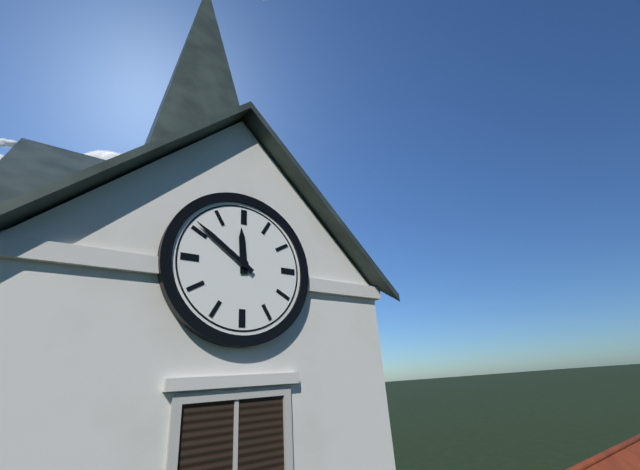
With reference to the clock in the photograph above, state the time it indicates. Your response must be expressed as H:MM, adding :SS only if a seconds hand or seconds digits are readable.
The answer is 11:51
